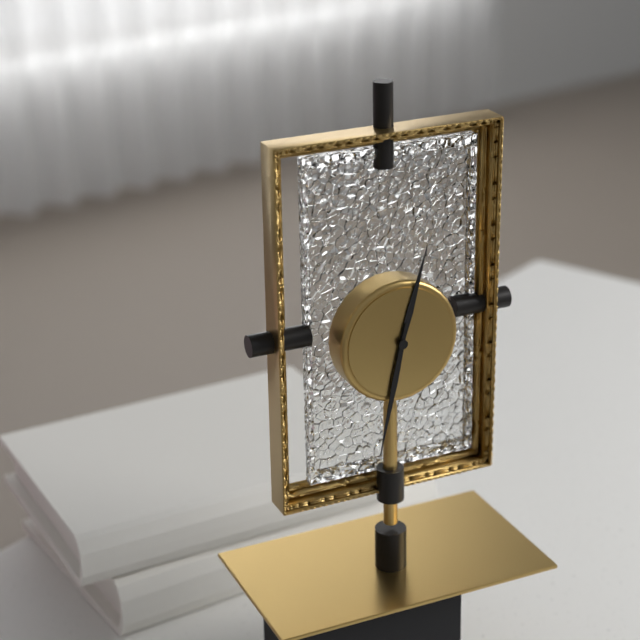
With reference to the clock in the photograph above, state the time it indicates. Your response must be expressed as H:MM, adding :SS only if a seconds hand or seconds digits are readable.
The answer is 12:32
